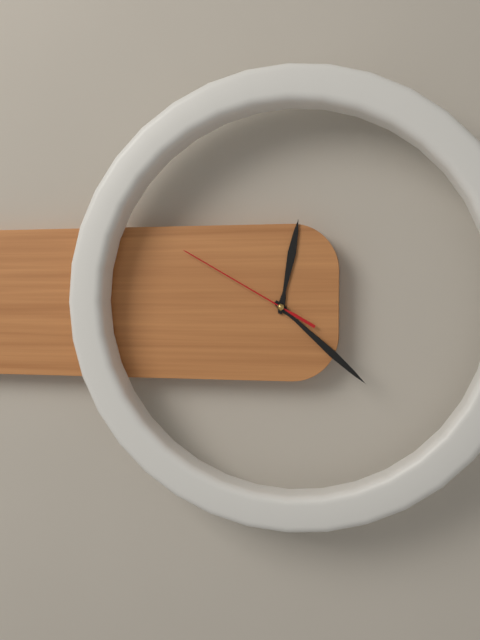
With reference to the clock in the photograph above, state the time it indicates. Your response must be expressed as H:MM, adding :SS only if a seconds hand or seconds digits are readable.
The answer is 12:22:50
